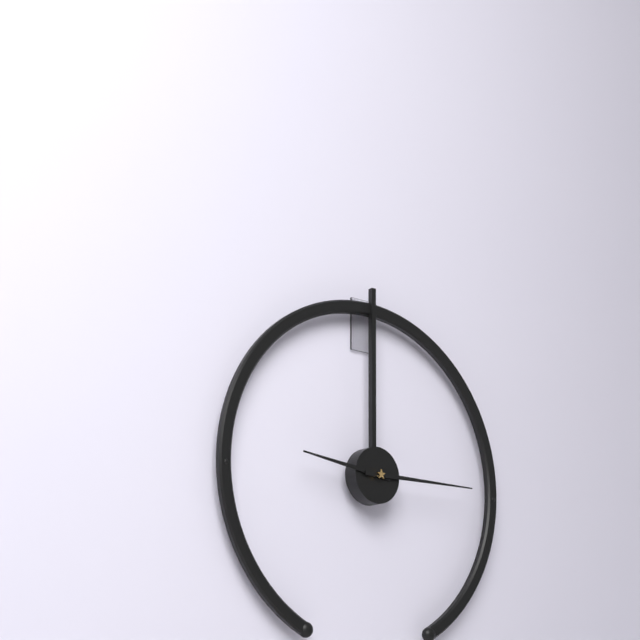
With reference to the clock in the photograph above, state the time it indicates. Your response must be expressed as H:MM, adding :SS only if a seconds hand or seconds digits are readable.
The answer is 9:15
